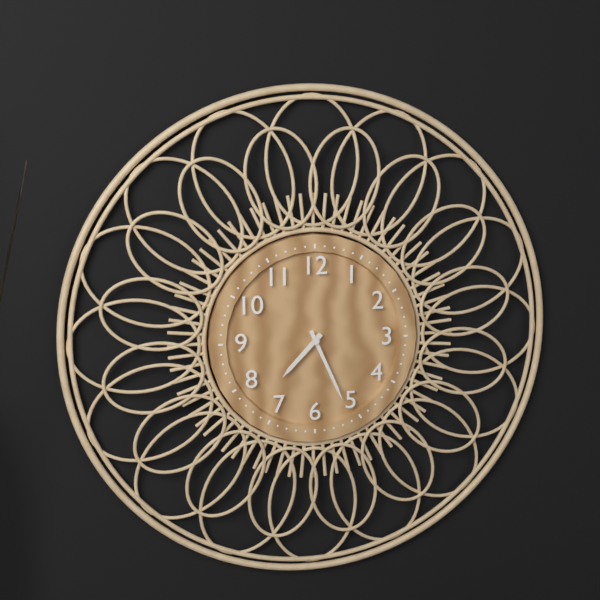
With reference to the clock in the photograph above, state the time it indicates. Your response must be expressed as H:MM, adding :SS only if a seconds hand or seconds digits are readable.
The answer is 7:26
